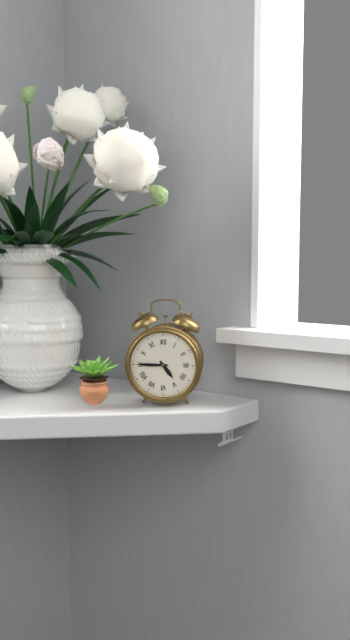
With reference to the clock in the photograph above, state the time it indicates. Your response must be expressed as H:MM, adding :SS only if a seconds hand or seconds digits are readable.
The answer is 4:45
